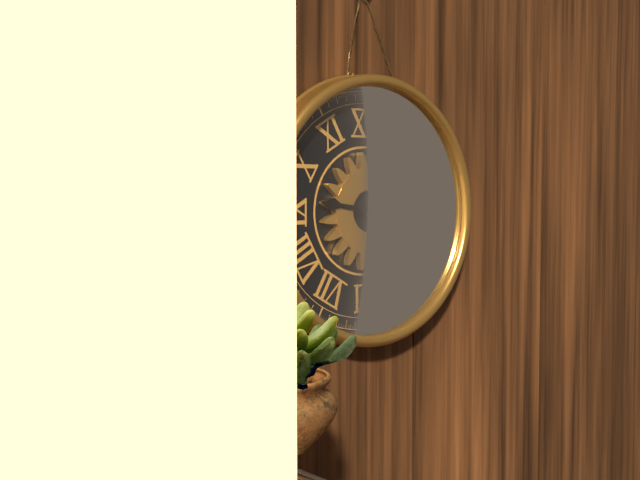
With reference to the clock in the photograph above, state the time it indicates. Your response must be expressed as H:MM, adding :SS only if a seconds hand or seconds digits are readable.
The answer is 9:18
